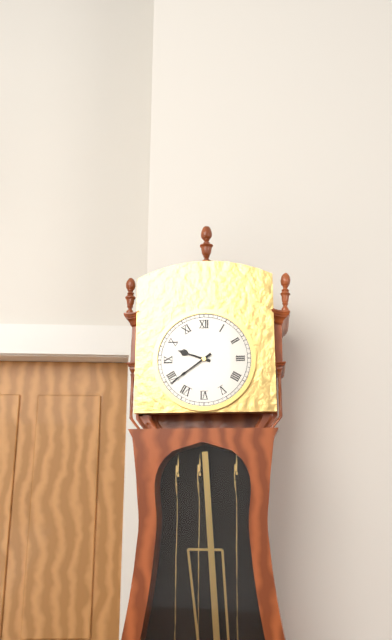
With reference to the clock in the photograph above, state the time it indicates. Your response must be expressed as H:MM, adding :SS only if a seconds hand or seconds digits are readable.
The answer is 9:39
